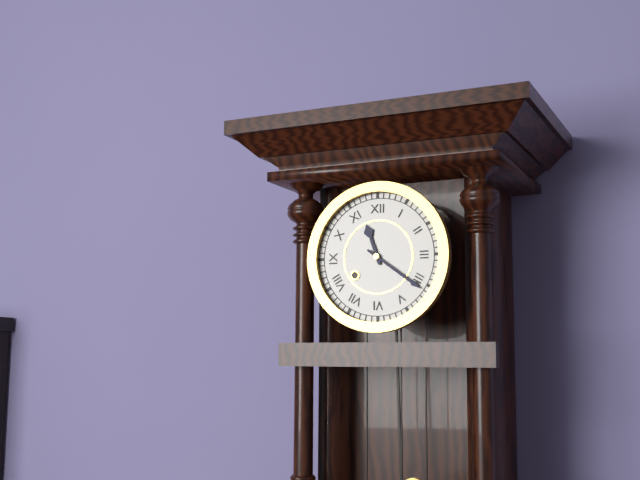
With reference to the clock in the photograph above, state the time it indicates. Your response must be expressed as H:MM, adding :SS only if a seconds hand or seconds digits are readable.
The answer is 11:21
